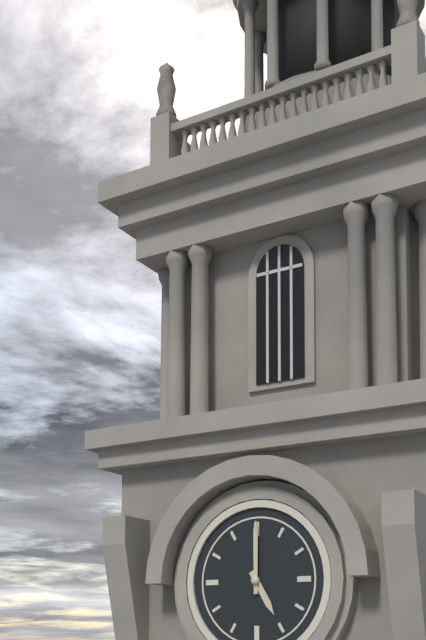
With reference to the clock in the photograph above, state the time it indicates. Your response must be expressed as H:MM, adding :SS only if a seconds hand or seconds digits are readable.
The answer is 5:00
